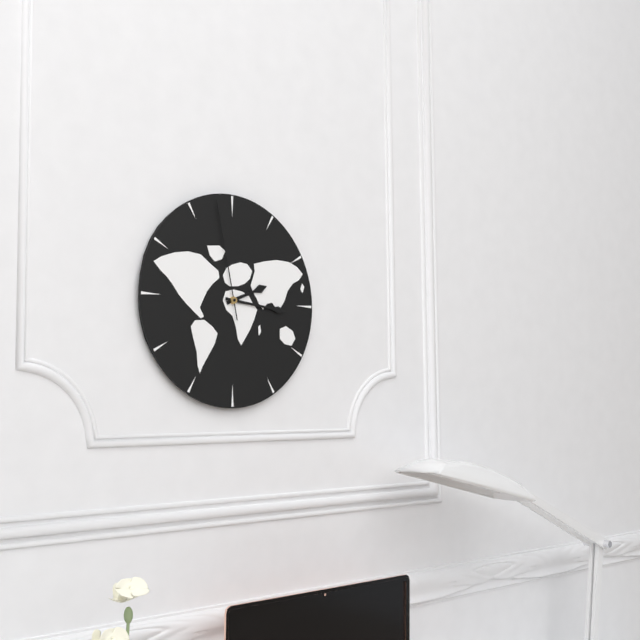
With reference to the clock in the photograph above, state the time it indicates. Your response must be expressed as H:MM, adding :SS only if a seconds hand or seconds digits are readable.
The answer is 2:16:58
